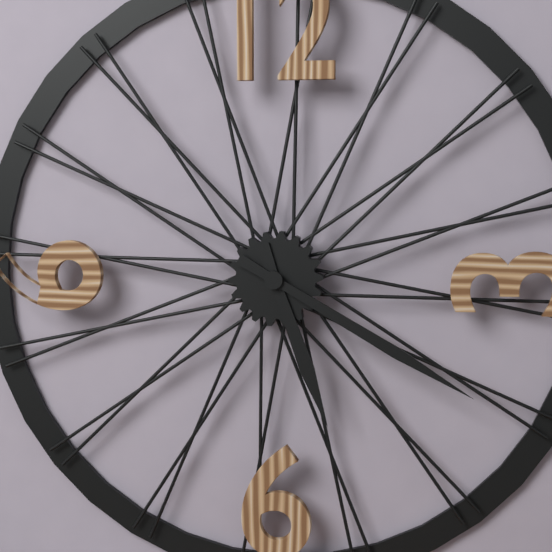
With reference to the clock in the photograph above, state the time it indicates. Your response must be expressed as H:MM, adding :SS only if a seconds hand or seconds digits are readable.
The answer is 5:20
